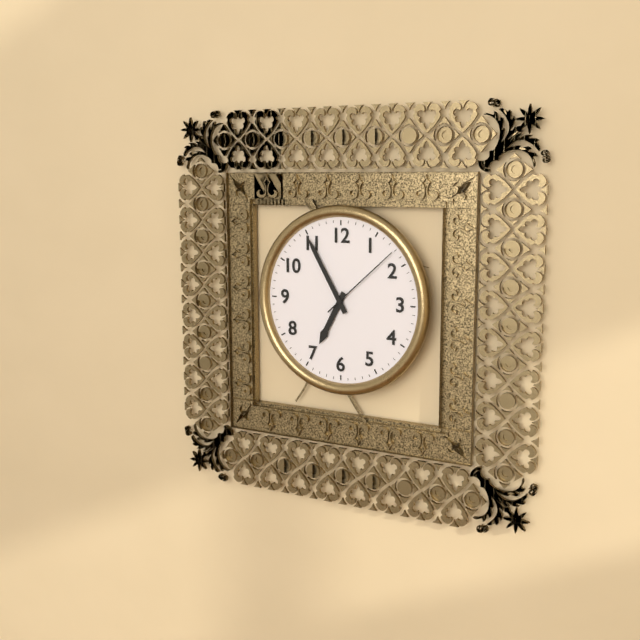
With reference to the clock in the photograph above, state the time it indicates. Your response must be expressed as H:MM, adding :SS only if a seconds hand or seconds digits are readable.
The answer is 6:55:08
